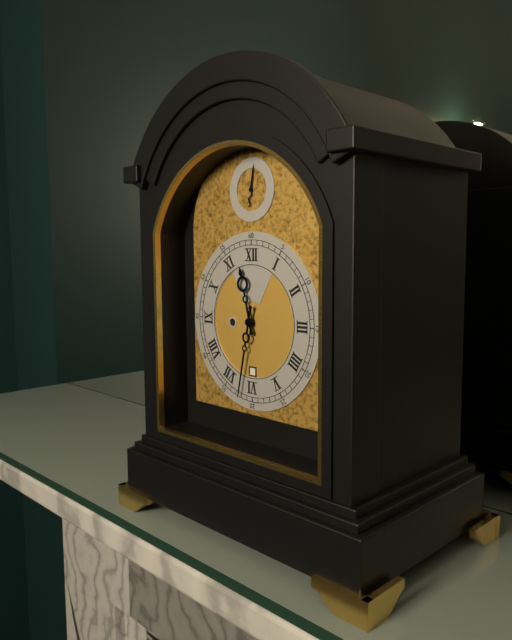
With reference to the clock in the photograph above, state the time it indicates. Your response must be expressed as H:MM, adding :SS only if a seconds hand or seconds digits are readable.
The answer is 11:32
